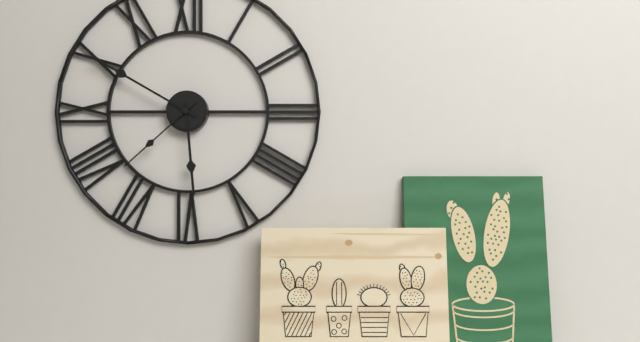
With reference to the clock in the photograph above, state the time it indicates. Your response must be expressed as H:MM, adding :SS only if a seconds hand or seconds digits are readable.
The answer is 5:50:38
